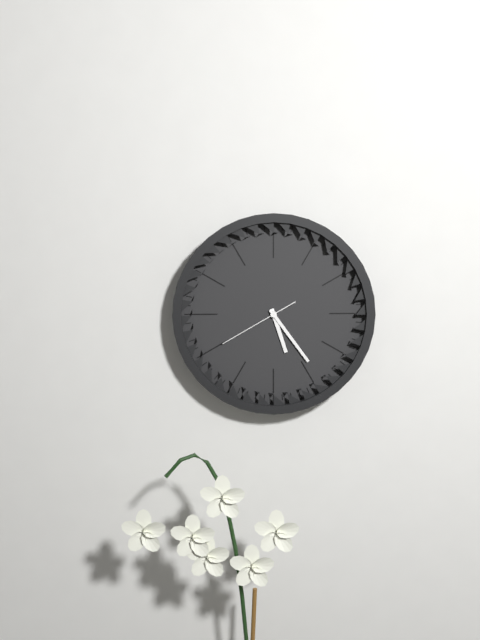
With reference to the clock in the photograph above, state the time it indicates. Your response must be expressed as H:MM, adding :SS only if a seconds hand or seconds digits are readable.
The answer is 5:24:40
